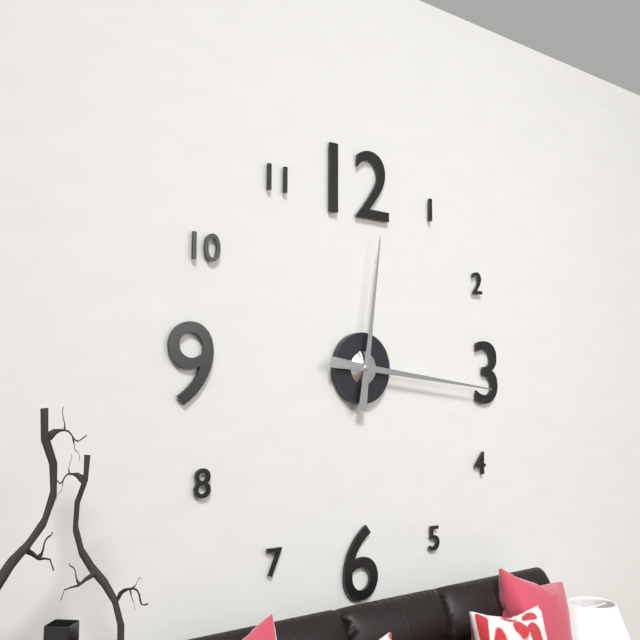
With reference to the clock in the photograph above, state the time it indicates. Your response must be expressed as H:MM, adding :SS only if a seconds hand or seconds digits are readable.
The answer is 12:16
